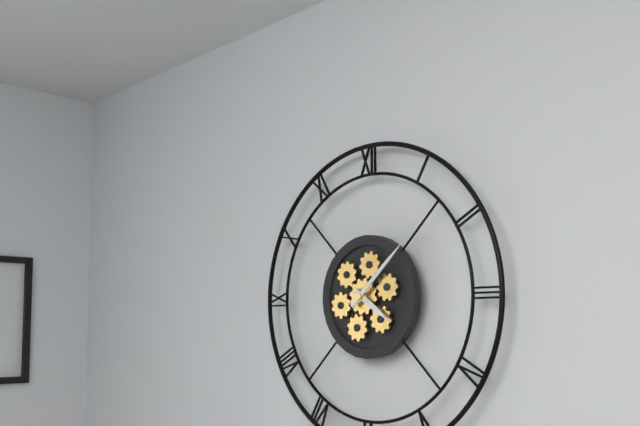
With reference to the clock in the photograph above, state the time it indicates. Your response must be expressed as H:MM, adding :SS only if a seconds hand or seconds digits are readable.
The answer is 4:08
